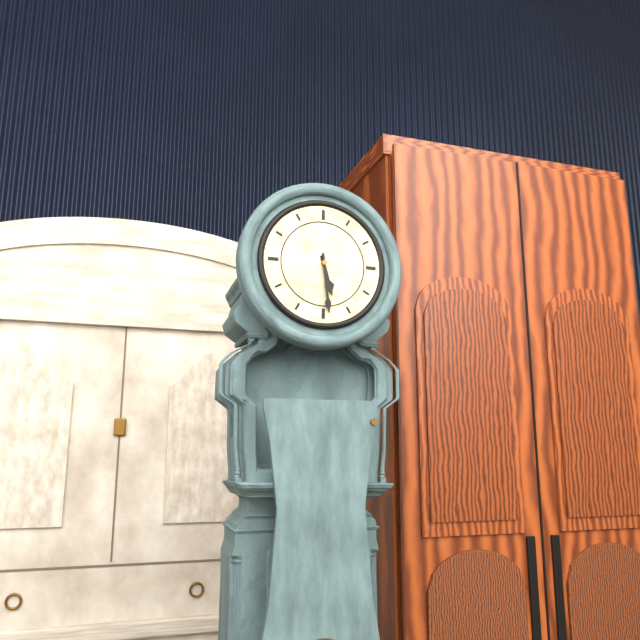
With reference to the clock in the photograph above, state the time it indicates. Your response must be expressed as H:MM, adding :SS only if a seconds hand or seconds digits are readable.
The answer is 5:29
